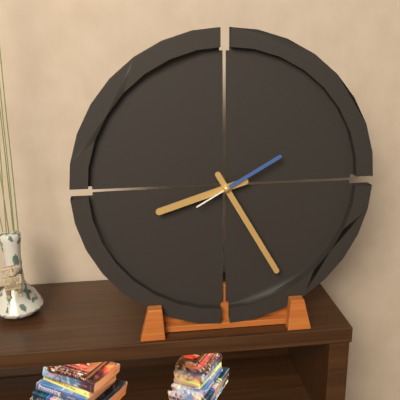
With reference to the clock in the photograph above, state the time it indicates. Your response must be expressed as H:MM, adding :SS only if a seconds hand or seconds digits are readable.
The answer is 8:25:10
